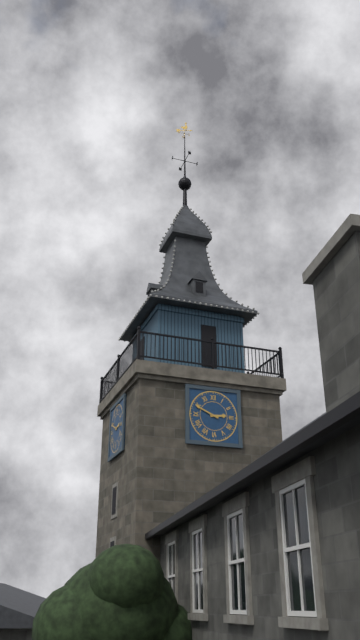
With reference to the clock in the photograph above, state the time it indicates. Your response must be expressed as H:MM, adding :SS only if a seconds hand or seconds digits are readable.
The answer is 2:49
